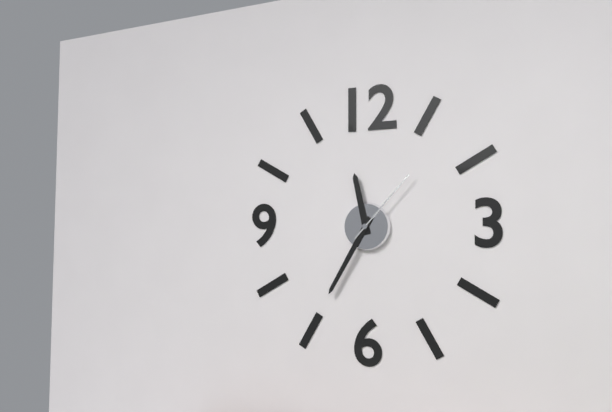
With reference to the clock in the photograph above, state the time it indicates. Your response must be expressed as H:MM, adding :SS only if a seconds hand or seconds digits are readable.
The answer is 11:35:07
